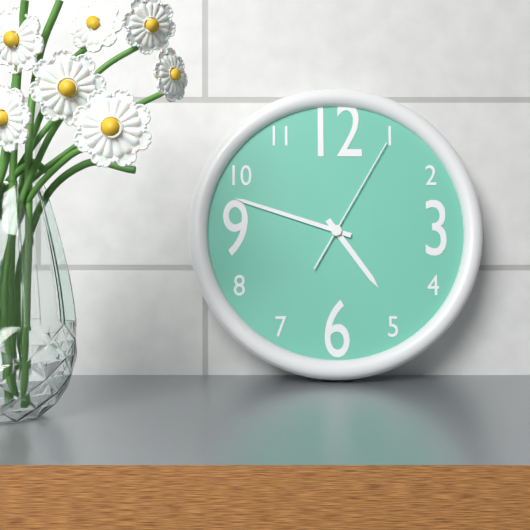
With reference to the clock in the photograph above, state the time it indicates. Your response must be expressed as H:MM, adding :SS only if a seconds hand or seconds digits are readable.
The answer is 4:48:05
